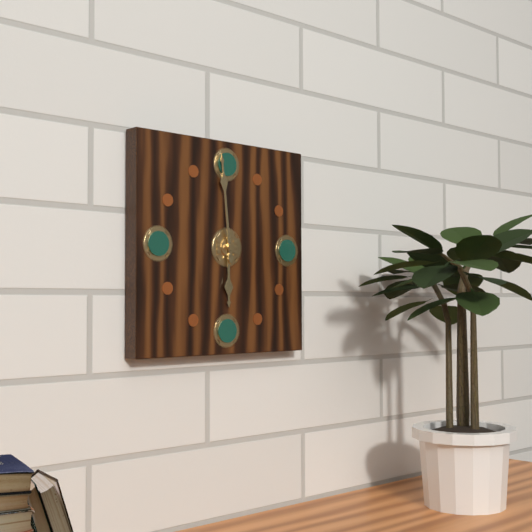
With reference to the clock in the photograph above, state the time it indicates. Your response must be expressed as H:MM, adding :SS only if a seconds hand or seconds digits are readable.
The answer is 5:59
